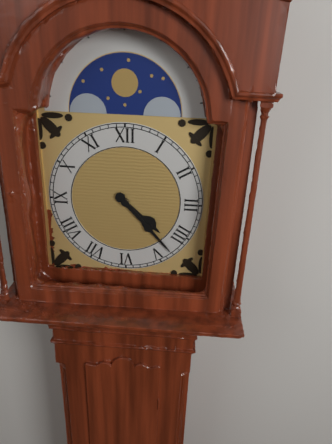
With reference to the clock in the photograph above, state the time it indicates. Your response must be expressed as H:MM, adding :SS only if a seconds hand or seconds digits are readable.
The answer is 4:23
